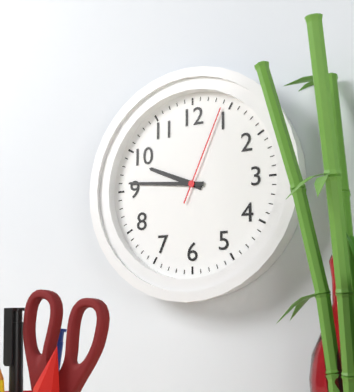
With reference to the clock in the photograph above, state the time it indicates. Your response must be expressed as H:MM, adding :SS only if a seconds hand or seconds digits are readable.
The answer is 9:46:04
